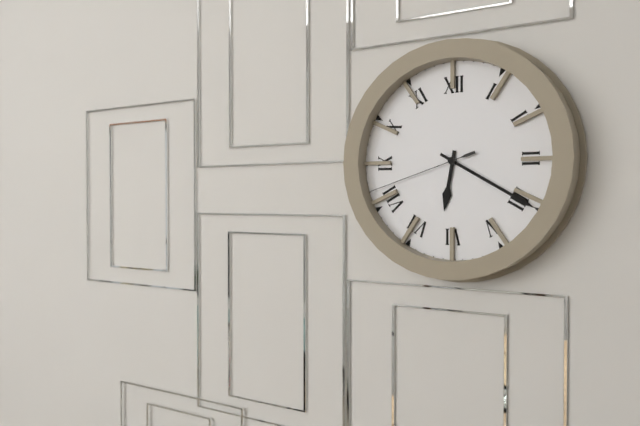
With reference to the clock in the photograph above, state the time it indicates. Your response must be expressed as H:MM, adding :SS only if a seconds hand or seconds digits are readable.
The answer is 6:20:42
